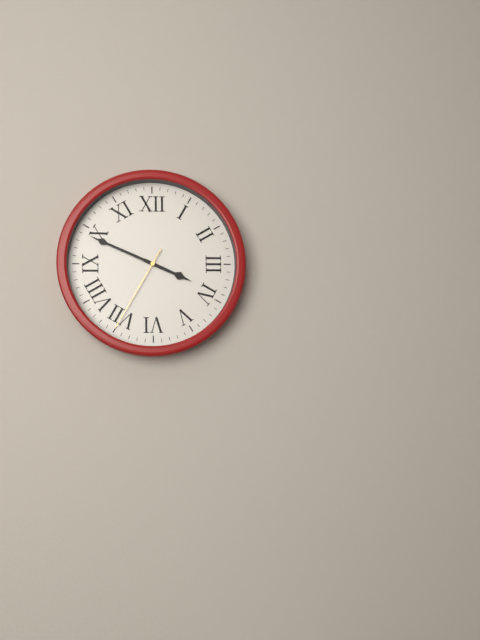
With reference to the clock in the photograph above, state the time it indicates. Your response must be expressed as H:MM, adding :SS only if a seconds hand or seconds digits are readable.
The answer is 3:49:35
